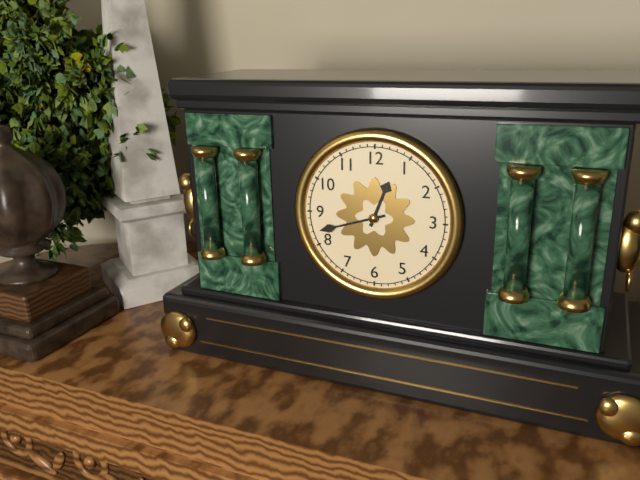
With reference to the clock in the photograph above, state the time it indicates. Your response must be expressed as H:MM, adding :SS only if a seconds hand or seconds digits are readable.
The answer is 12:42
